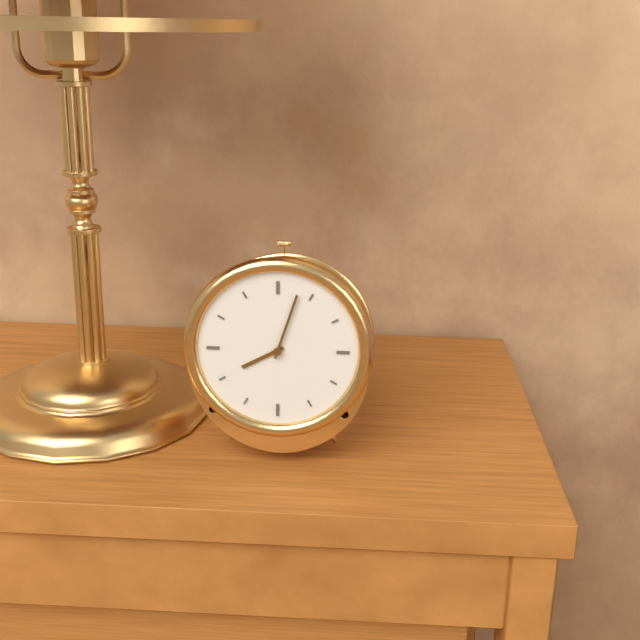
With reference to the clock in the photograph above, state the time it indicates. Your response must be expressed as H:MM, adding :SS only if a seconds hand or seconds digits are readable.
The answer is 8:03
